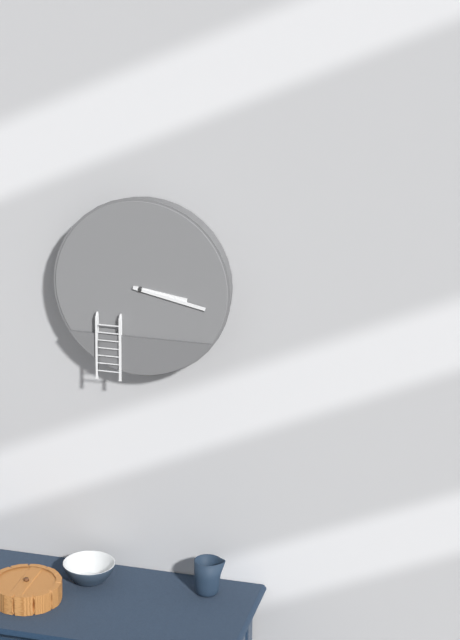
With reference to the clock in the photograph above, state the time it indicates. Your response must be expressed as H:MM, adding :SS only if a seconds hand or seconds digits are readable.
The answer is 3:17
